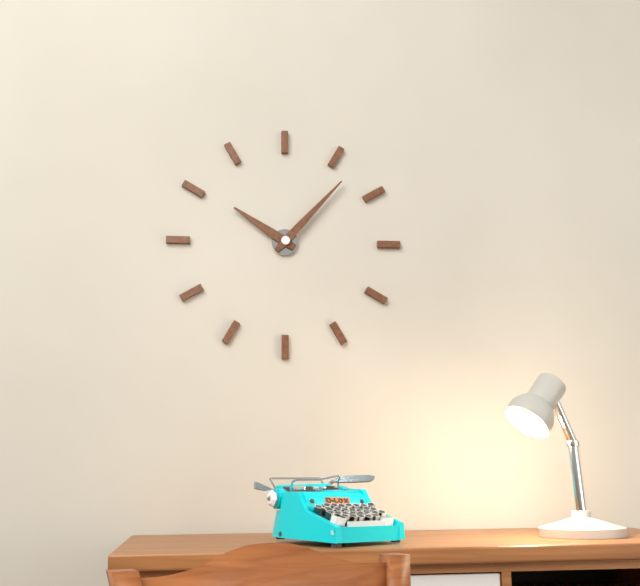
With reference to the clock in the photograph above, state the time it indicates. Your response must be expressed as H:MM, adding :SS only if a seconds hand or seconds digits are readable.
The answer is 10:07
